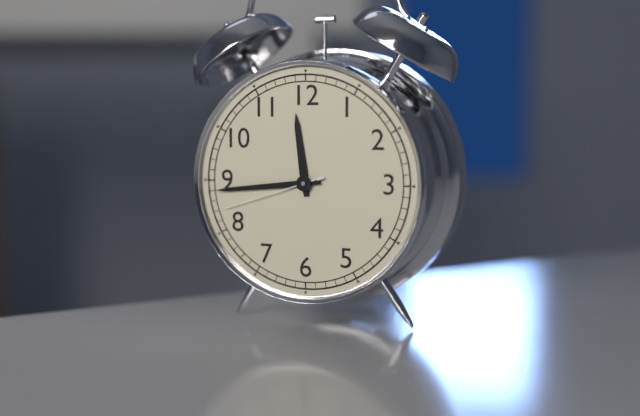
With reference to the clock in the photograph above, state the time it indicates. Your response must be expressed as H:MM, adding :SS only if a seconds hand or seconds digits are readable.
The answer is 11:44:42
